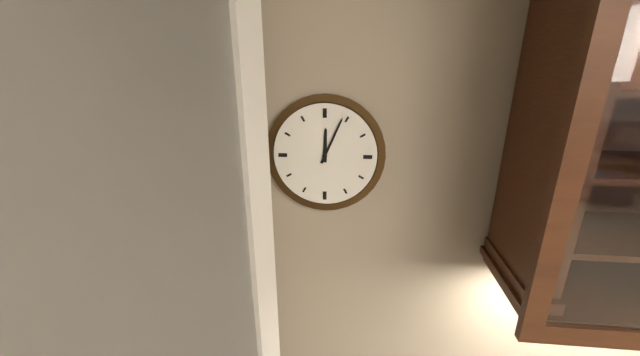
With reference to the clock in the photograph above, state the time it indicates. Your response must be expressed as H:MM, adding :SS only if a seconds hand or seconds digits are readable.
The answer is 12:04
